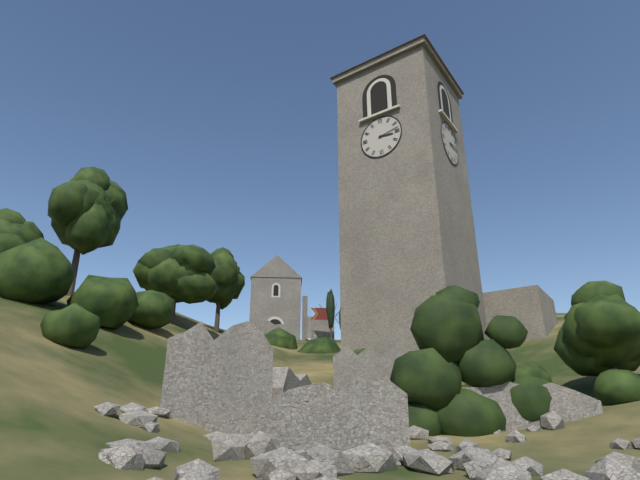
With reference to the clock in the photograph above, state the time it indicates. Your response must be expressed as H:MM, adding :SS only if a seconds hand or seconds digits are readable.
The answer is 3:13
